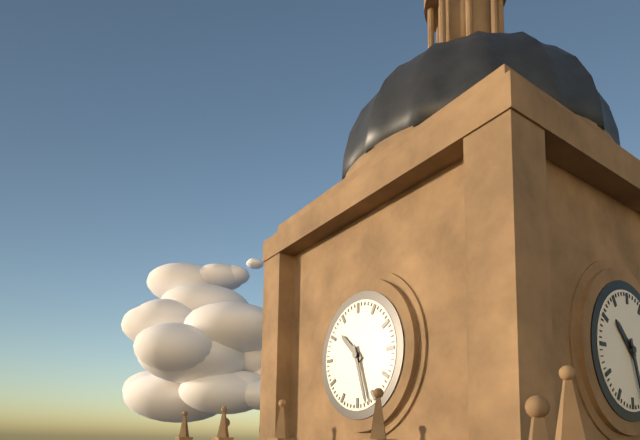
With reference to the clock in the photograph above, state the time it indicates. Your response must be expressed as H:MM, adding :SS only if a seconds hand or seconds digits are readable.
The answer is 10:27
